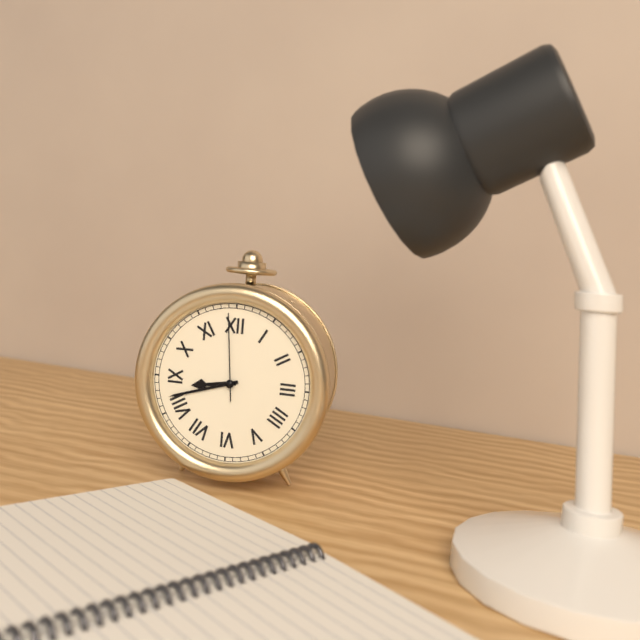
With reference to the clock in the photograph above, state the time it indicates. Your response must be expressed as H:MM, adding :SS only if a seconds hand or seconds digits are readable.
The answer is 8:42:59
